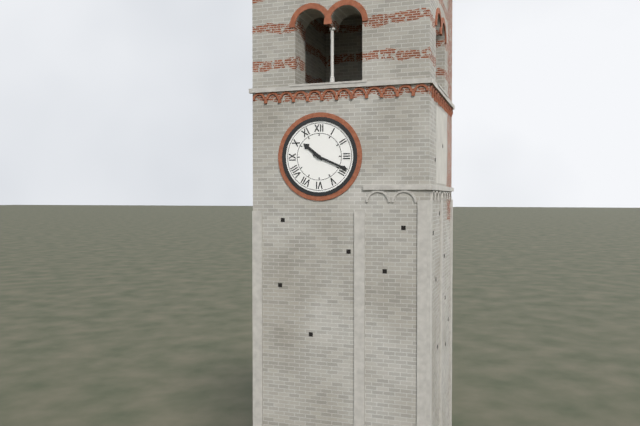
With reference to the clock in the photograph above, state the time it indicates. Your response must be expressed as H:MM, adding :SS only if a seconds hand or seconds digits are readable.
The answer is 10:19
